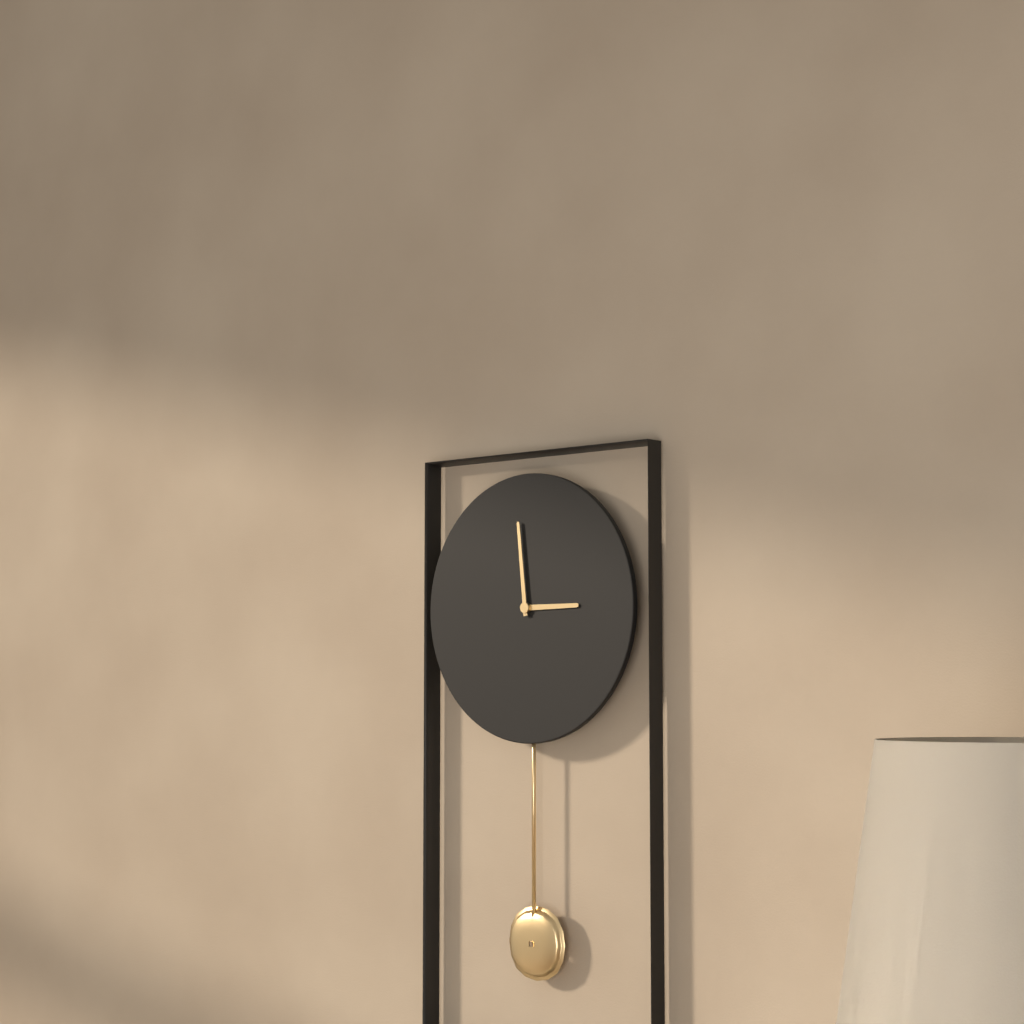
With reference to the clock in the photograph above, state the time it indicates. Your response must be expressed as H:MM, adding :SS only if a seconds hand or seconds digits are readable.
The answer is 2:59
